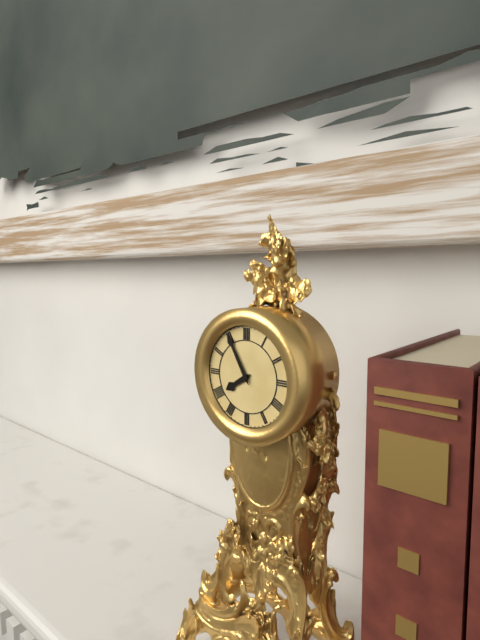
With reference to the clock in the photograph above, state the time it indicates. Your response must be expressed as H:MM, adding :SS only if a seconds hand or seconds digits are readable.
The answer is 7:55
